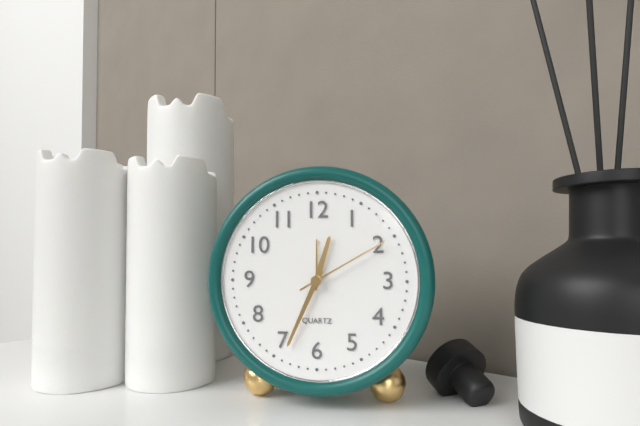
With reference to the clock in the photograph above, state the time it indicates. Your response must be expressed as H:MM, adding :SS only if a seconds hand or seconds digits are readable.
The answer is 12:34:10
